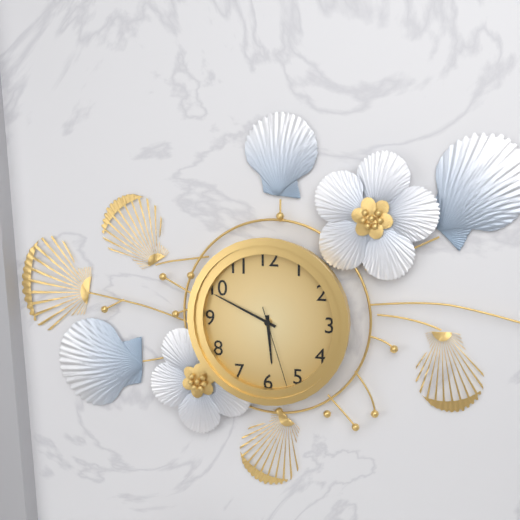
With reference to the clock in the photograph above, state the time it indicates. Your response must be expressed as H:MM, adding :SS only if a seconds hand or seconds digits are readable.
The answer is 5:49:27
